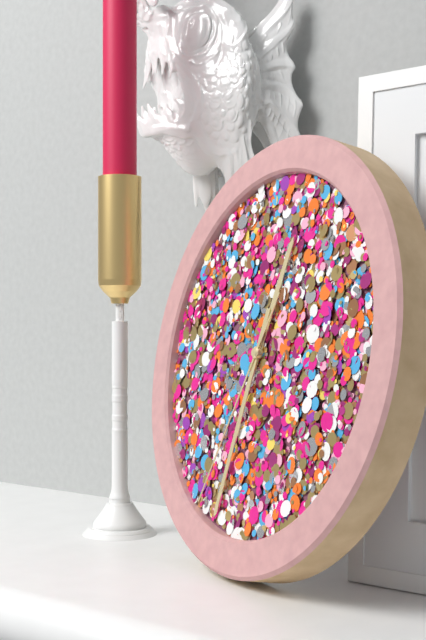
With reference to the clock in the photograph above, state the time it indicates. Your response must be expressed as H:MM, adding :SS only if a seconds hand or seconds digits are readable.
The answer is 12:32:34
